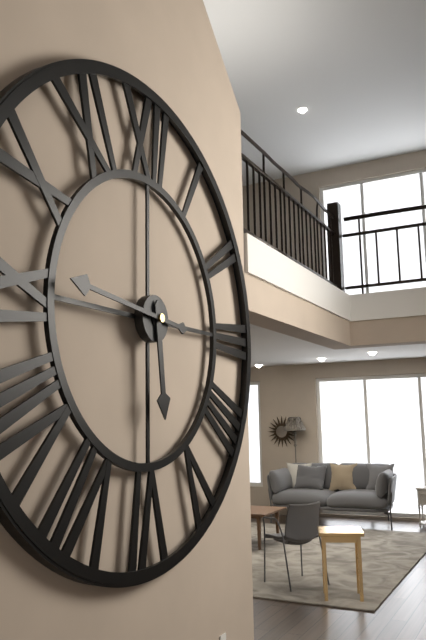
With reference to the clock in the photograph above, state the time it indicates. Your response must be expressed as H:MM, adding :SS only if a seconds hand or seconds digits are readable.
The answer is 5:46
